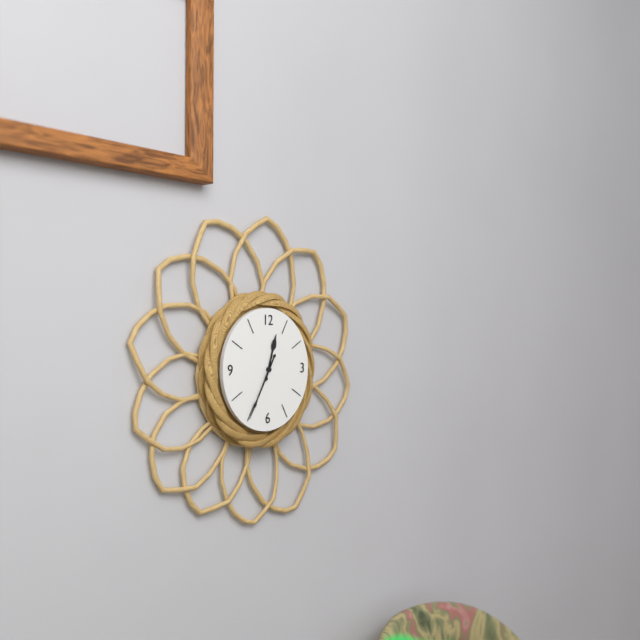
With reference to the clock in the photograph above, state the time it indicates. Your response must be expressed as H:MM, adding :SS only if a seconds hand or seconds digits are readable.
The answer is 12:35
